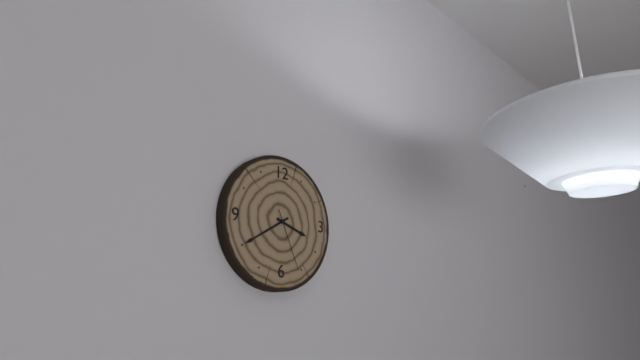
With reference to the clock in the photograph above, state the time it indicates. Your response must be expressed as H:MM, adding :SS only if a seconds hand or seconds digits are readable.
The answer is 3:40:26
